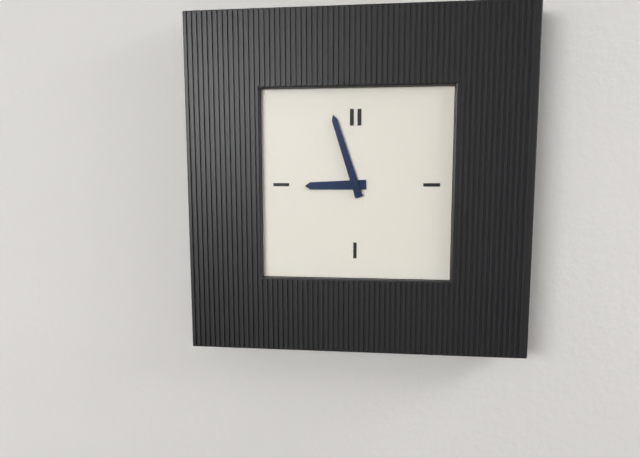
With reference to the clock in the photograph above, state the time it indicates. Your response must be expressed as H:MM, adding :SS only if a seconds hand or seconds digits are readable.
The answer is 8:57
